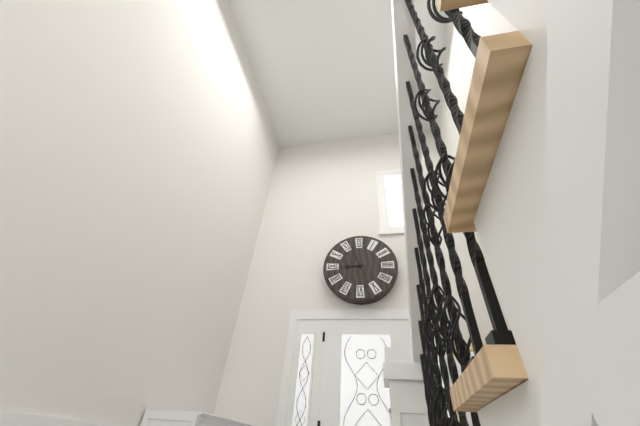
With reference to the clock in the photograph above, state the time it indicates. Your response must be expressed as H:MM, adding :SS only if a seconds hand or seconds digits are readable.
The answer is 8:57
